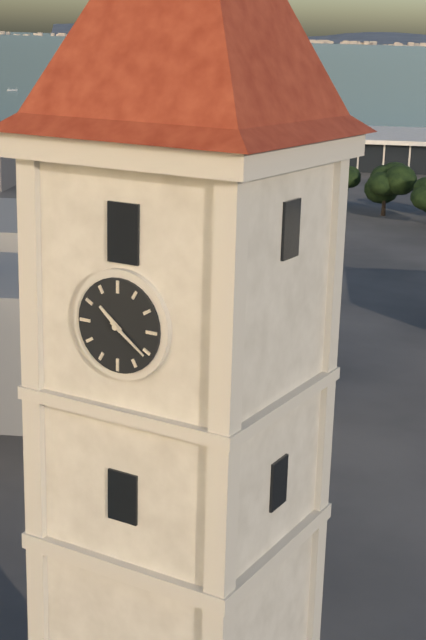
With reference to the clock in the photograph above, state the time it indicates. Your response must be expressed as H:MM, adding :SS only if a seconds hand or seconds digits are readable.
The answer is 10:21
